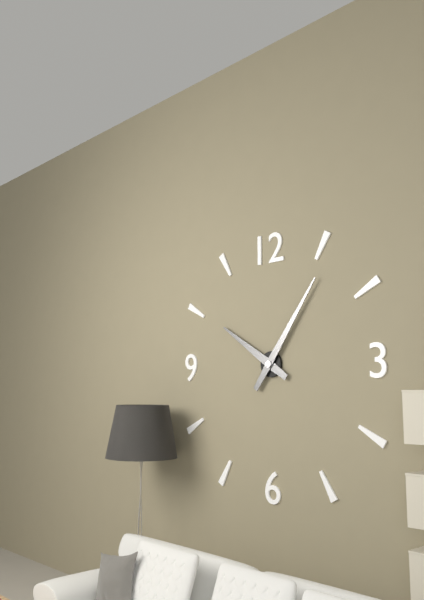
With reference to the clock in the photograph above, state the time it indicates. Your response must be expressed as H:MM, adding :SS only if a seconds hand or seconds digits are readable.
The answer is 10:06
